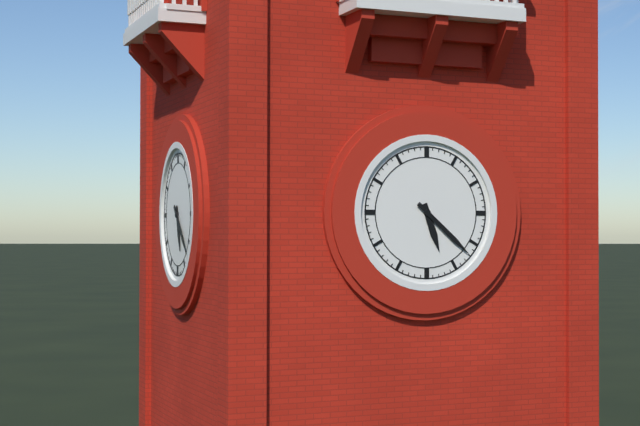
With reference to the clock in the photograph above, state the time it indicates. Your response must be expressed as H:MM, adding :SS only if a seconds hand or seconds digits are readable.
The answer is 5:22
